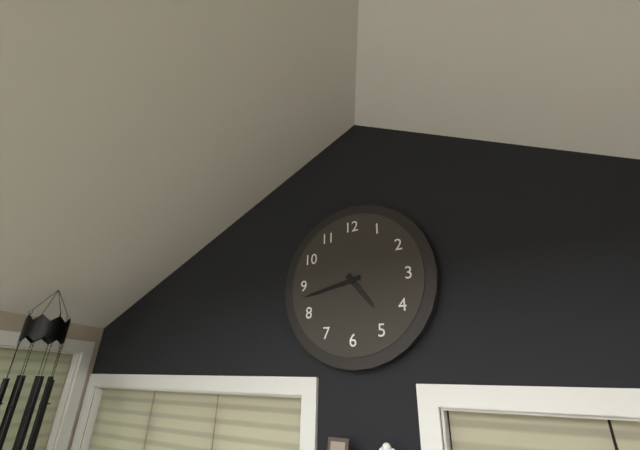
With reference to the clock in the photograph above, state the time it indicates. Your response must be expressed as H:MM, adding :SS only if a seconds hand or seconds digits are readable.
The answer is 4:43
